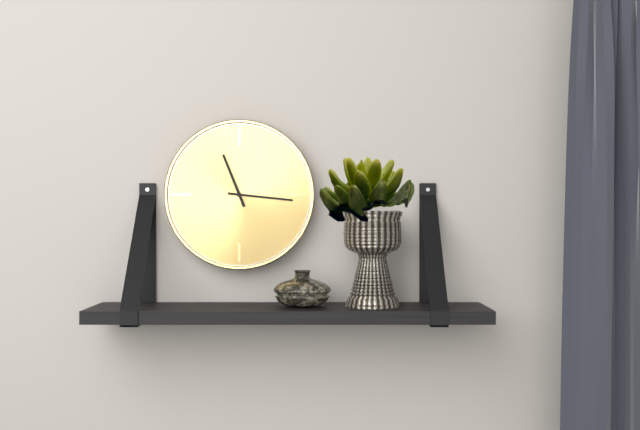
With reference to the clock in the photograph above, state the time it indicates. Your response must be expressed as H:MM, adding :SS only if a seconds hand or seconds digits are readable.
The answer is 11:16
